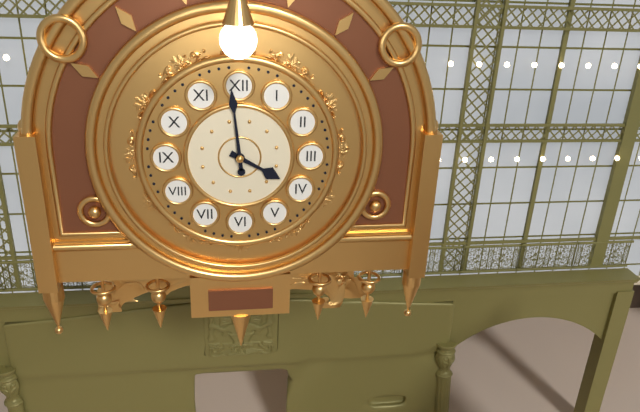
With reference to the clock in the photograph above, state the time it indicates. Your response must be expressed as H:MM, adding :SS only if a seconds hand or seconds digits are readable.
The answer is 3:59
